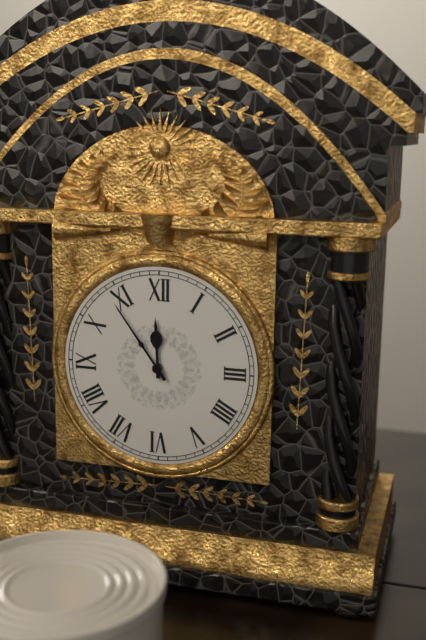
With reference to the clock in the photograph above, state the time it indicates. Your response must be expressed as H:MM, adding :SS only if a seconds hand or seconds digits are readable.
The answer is 11:54
